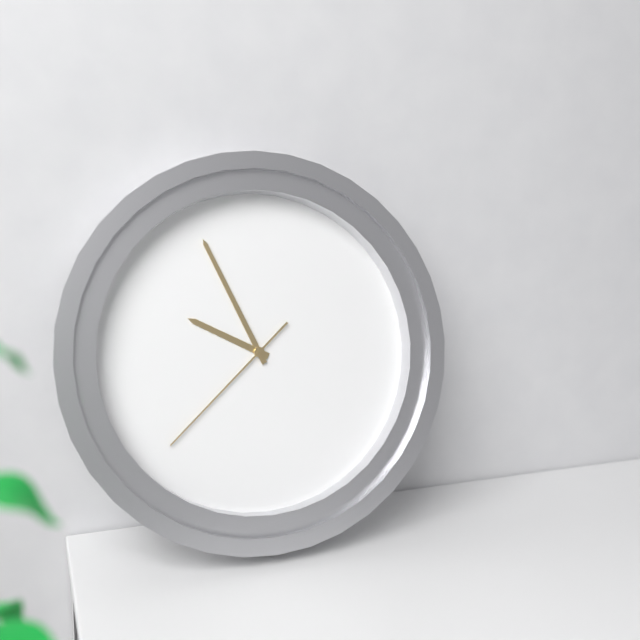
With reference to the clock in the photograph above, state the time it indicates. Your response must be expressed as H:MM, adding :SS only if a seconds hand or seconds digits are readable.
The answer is 9:56:38
